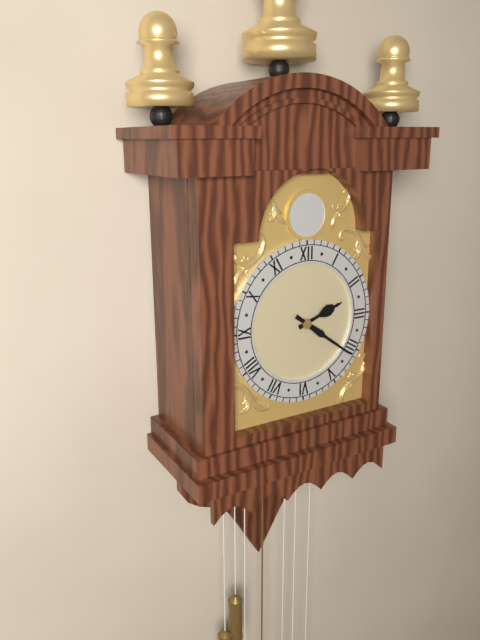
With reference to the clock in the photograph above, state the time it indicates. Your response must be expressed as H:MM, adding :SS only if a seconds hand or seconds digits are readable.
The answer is 2:21
